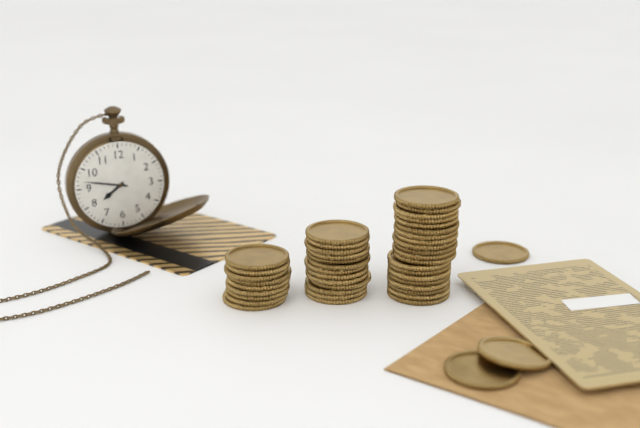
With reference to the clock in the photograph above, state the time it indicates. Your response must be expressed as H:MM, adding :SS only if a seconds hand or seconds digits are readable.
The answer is 7:47
